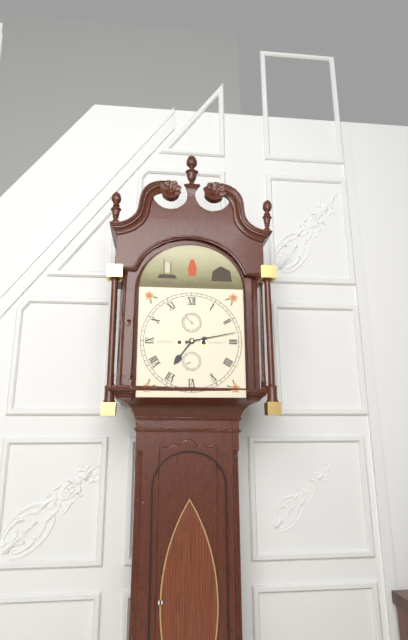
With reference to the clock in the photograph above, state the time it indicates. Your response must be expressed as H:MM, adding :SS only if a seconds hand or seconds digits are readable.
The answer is 7:13
